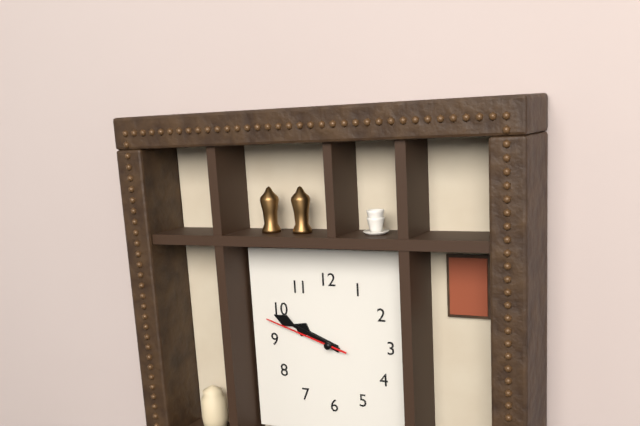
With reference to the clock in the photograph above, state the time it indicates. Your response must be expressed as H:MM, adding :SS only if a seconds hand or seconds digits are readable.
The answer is 9:49:48
